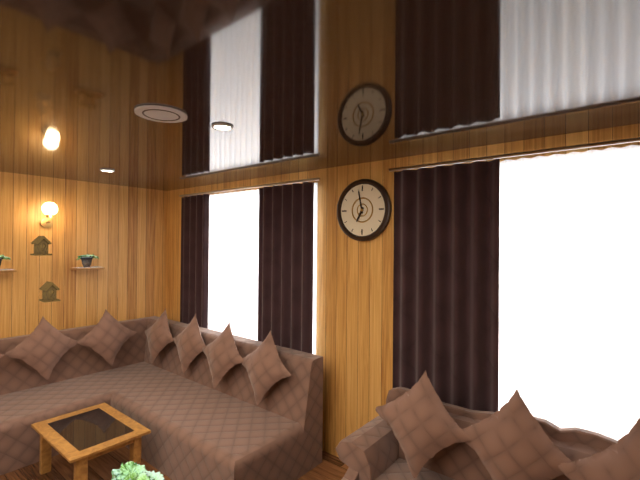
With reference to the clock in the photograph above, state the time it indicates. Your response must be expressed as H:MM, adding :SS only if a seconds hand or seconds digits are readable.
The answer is 6:58
